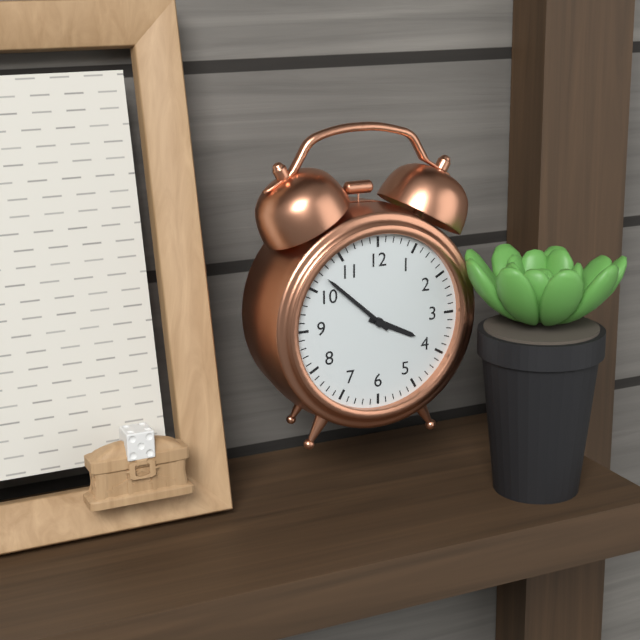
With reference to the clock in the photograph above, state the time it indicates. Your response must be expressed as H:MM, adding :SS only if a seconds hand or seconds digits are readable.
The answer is 3:52
